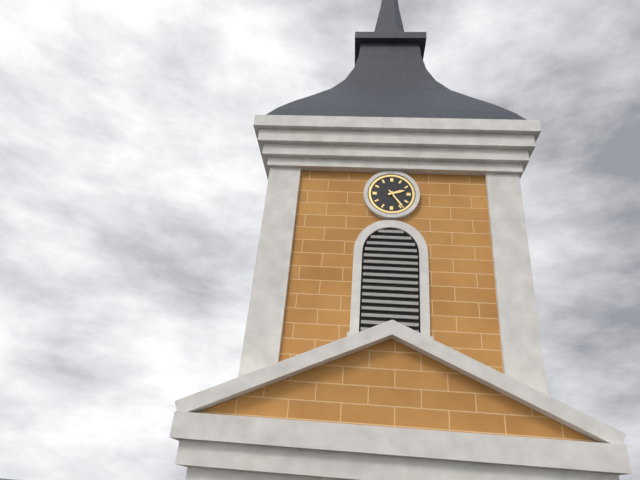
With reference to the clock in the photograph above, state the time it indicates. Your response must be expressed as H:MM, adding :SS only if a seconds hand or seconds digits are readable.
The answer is 2:24
